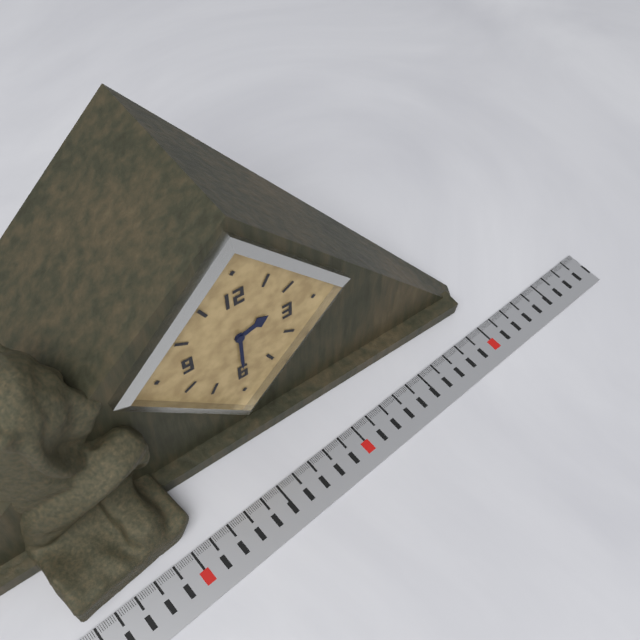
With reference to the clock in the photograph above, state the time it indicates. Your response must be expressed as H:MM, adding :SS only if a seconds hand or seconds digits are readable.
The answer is 2:30
